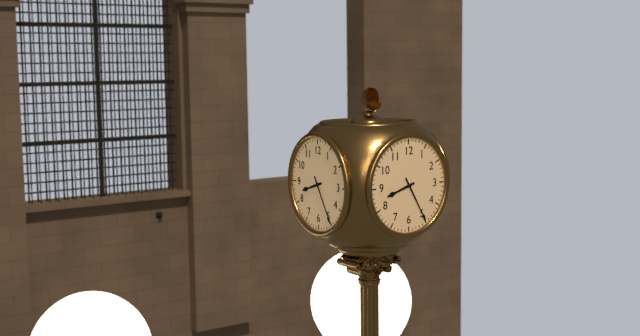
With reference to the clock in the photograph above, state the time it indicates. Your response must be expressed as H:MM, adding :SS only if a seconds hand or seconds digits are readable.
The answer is 8:25
